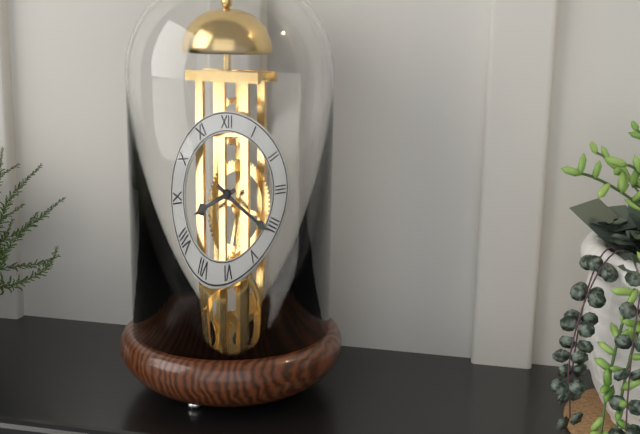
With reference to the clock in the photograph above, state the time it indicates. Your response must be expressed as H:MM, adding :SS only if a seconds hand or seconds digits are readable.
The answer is 8:21
